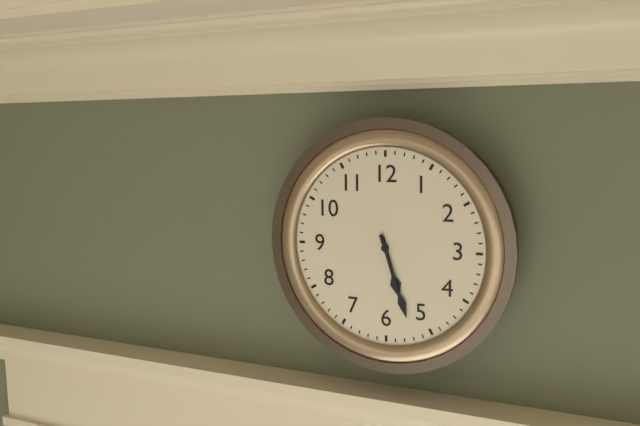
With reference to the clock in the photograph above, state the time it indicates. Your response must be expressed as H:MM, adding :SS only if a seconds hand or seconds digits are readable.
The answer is 5:27
